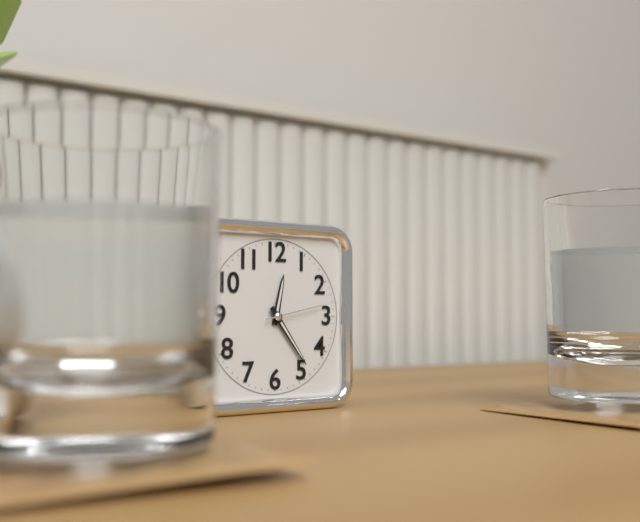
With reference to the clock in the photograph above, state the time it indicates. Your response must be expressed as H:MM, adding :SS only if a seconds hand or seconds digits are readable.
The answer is 12:24:13
